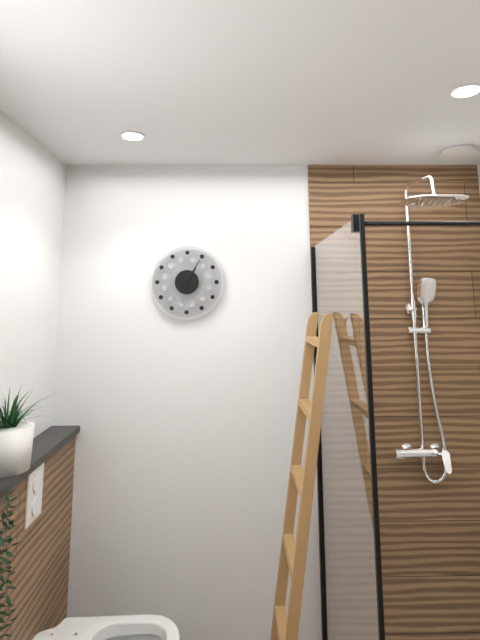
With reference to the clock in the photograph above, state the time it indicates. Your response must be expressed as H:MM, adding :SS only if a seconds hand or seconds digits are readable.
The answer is 1:05
